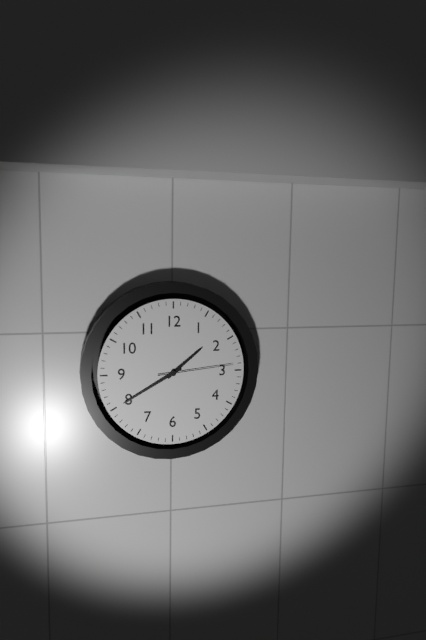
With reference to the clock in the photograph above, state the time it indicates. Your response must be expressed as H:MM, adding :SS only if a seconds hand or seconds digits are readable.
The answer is 1:40:14
